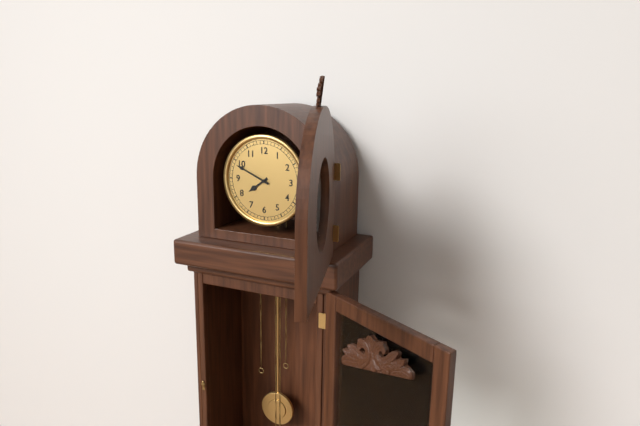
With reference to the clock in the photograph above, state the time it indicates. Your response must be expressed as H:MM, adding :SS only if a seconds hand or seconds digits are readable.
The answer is 7:49
